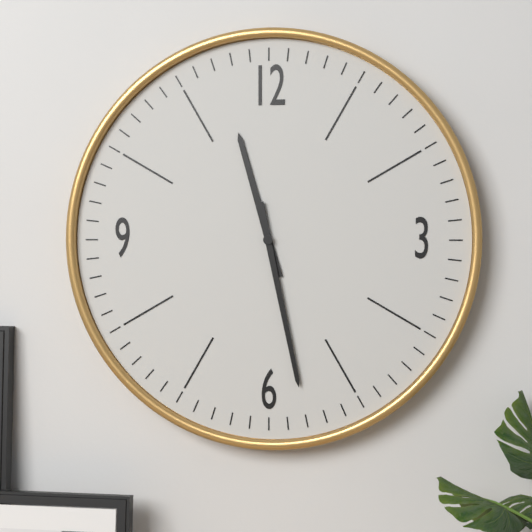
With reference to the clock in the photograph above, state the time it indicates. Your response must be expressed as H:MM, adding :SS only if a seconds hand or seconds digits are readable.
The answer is 11:28
